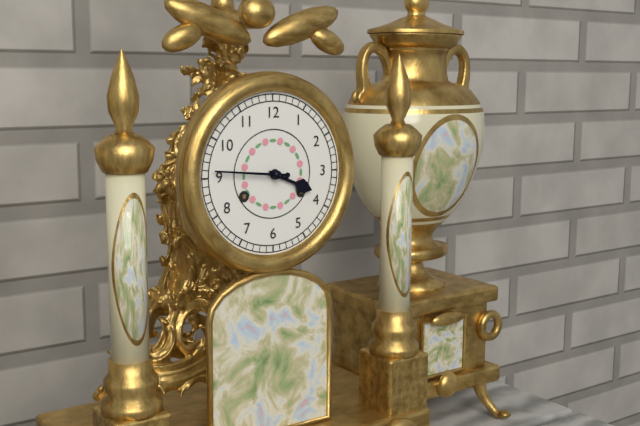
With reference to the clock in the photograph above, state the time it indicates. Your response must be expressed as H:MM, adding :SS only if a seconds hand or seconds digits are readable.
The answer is 3:46
